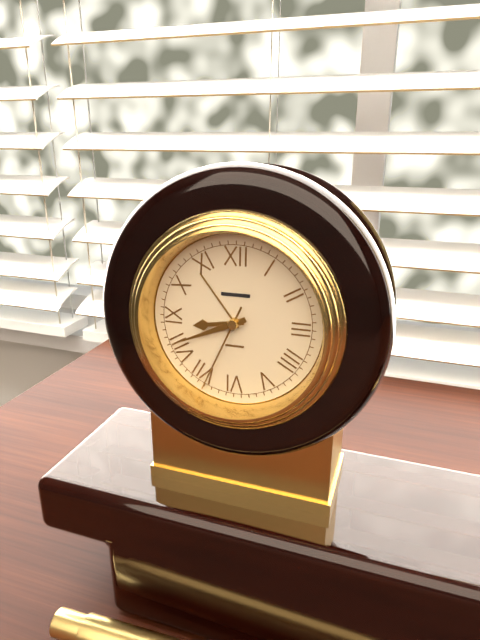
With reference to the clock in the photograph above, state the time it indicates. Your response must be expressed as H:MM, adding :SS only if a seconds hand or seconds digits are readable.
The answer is 8:41:34
